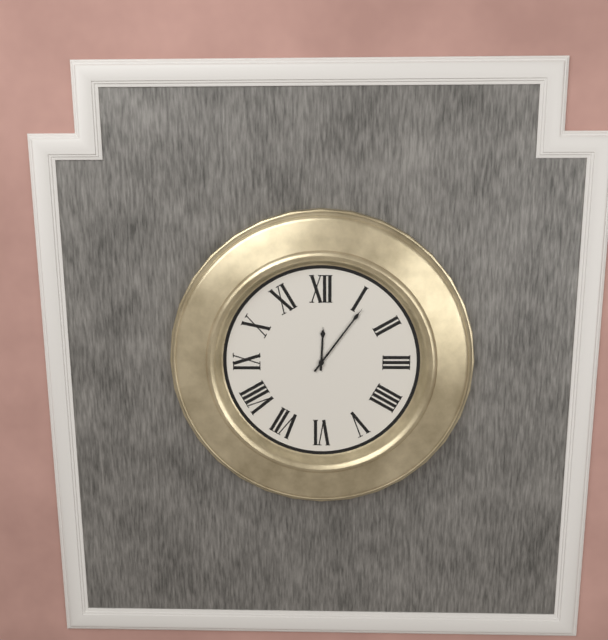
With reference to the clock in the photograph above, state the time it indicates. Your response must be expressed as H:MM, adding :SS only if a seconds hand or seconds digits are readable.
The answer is 12:06
